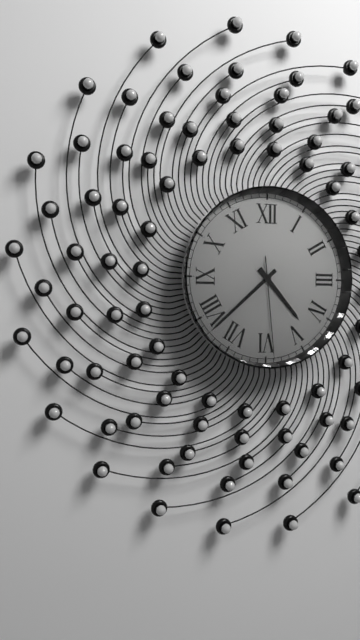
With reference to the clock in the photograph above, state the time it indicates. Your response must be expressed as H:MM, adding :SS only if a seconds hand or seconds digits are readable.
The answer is 4:38:29
